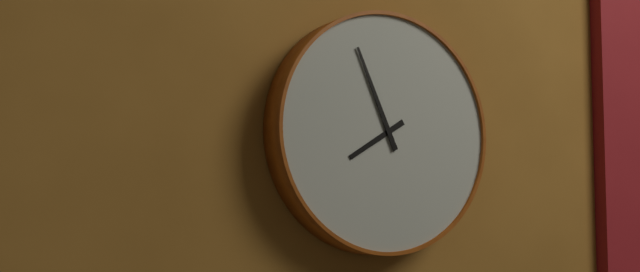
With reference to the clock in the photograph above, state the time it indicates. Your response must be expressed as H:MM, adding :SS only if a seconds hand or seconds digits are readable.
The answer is 7:56
